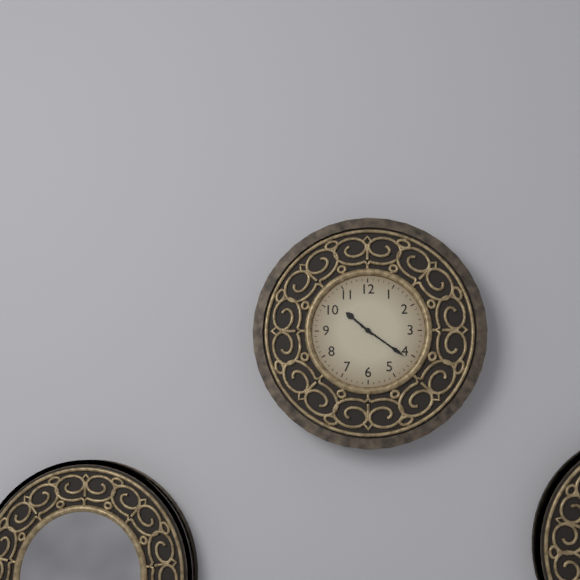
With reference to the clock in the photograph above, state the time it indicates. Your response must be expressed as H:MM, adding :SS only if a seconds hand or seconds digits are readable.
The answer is 10:21
